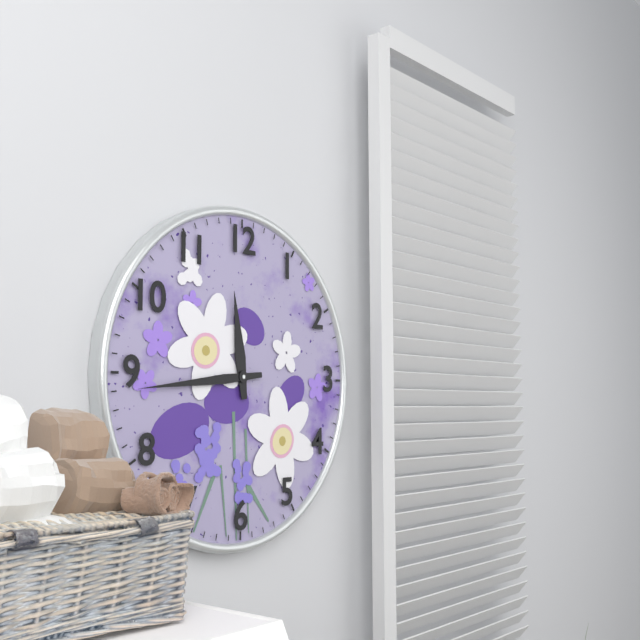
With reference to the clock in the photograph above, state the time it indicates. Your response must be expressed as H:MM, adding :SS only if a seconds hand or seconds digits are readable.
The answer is 11:44
